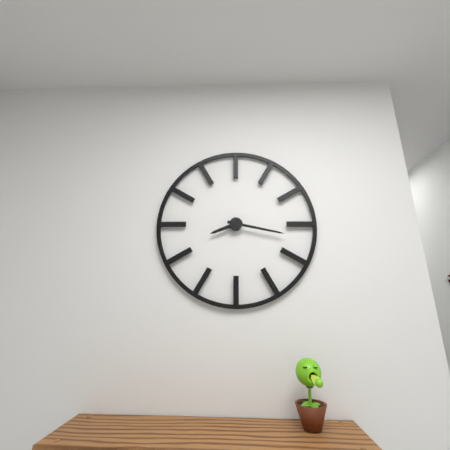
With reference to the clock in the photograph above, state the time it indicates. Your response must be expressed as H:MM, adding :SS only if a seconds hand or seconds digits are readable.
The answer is 8:17
